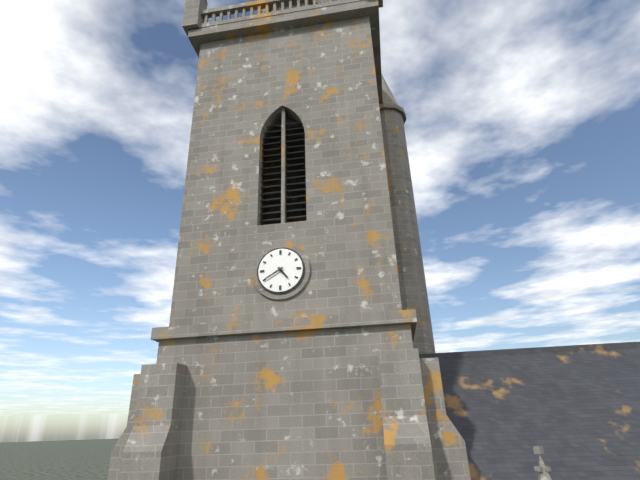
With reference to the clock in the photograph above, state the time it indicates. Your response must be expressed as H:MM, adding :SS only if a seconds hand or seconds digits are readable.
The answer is 4:40
